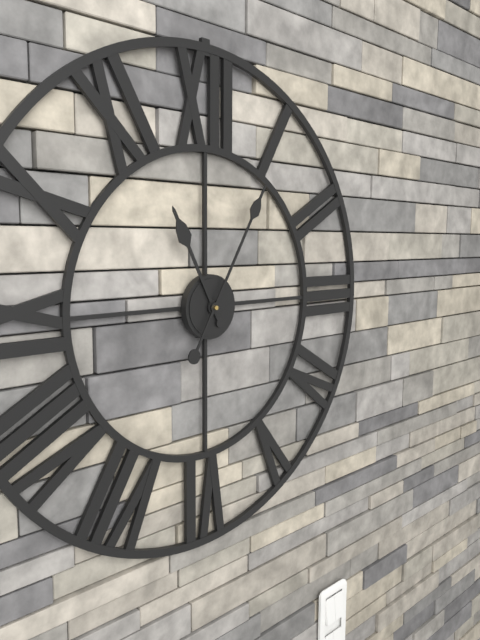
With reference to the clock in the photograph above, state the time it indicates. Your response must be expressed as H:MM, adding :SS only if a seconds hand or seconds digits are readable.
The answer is 11:05
